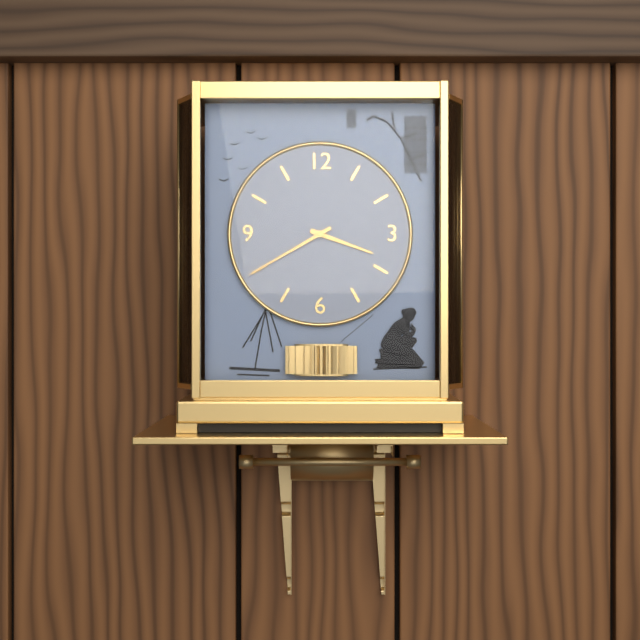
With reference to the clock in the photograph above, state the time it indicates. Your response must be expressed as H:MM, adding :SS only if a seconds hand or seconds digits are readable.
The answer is 3:40
